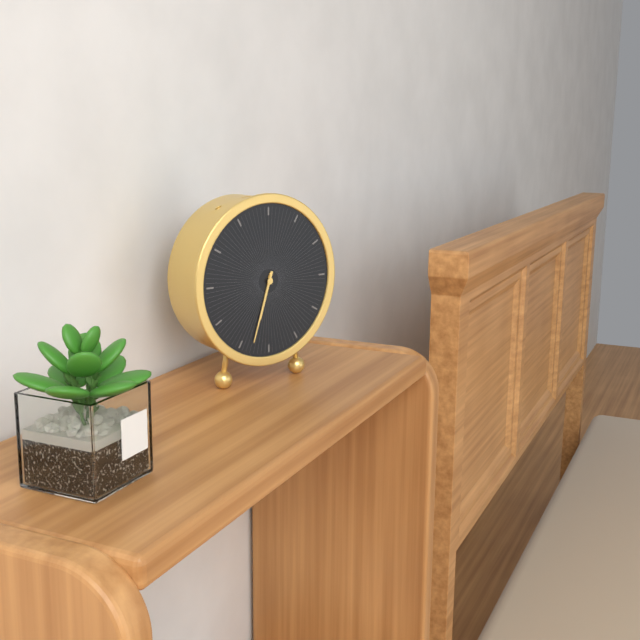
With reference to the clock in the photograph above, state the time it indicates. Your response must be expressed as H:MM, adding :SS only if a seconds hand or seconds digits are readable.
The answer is 6:33
